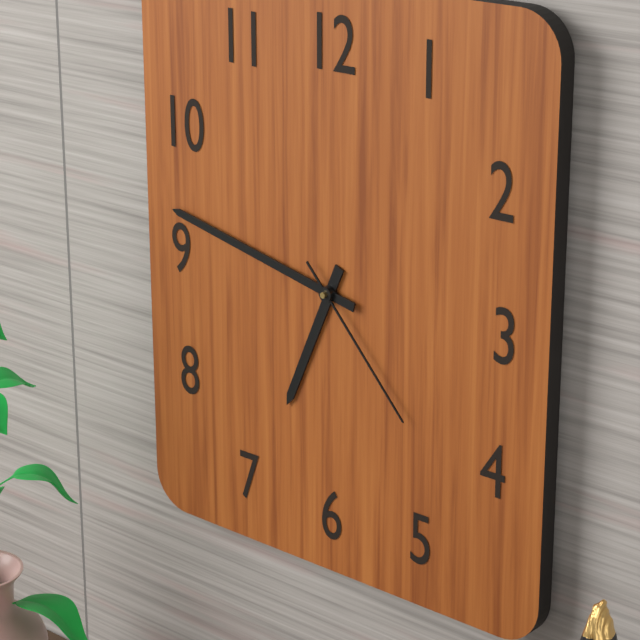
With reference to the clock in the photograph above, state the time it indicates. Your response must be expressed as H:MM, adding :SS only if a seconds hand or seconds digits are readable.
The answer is 6:47:23
